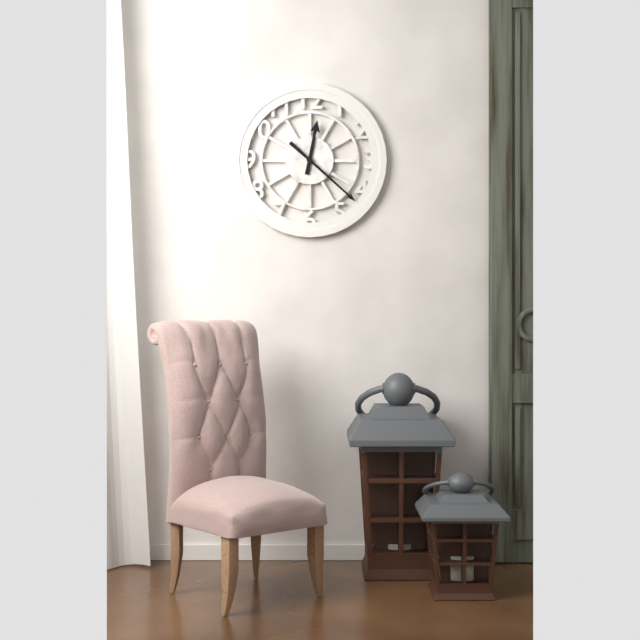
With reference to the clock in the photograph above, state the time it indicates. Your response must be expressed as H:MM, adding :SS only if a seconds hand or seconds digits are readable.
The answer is 12:22
